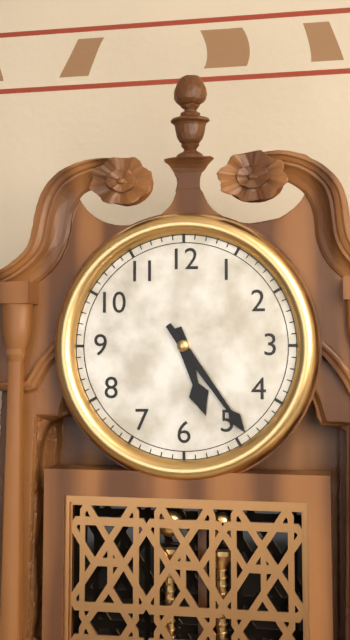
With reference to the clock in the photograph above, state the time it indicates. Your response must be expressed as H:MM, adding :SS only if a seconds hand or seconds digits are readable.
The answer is 5:24
